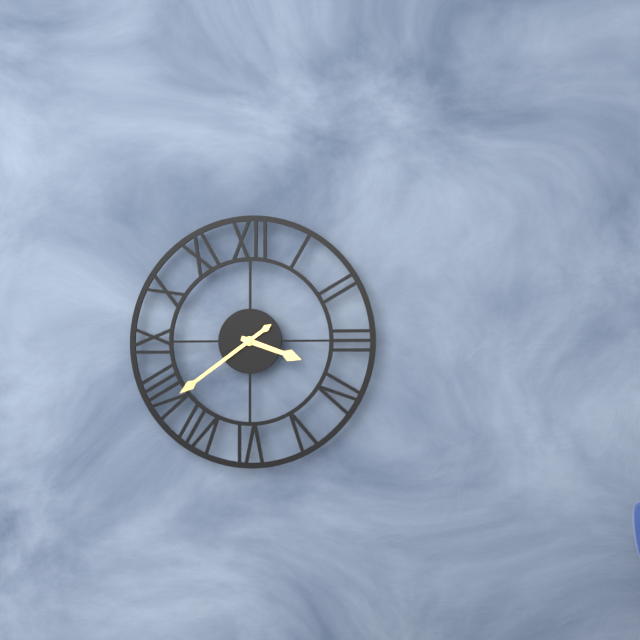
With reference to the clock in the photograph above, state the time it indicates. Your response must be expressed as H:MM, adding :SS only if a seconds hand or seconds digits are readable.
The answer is 3:39
